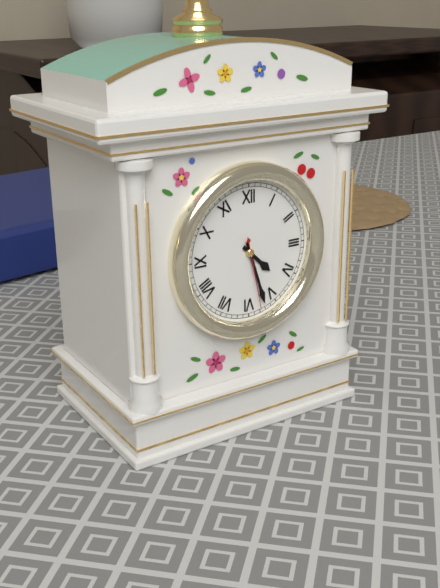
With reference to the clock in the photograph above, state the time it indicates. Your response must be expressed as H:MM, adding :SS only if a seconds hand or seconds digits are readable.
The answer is 4:27:28
